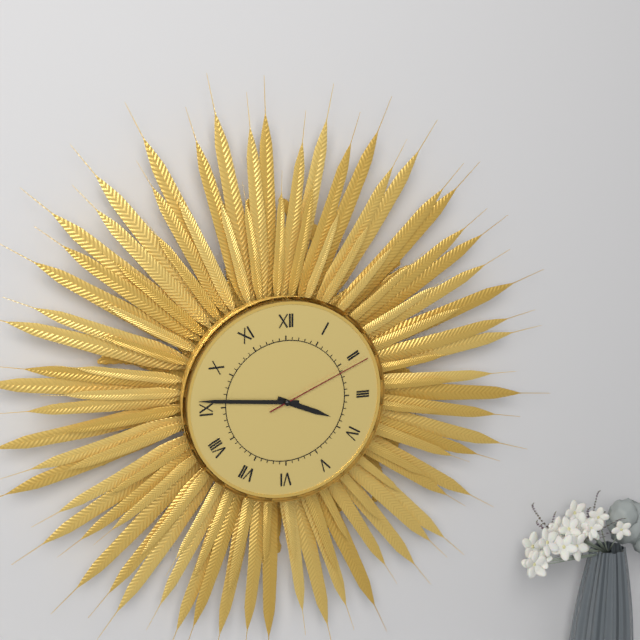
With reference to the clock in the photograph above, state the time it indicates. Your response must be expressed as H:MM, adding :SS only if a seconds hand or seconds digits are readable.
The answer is 3:46:11
